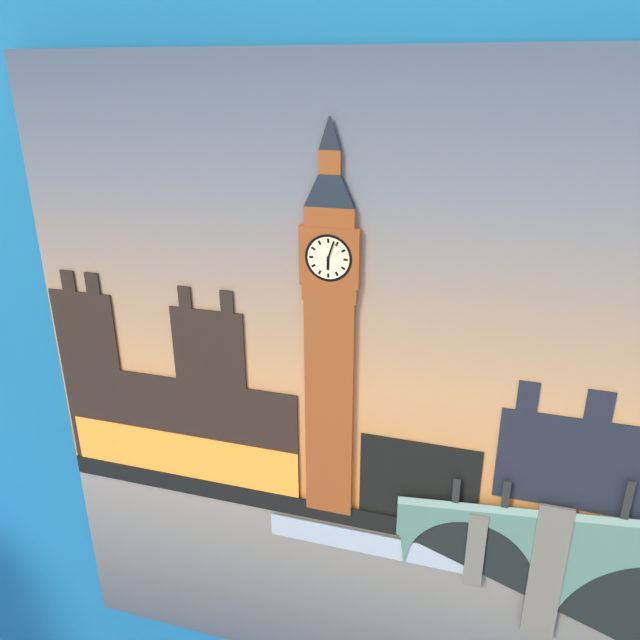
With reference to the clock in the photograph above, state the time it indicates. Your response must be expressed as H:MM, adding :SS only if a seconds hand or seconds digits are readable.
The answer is 6:03
